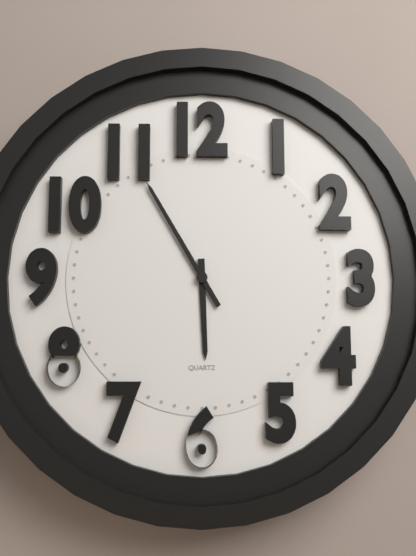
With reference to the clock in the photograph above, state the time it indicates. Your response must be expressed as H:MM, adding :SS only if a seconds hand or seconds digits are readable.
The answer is 5:55
